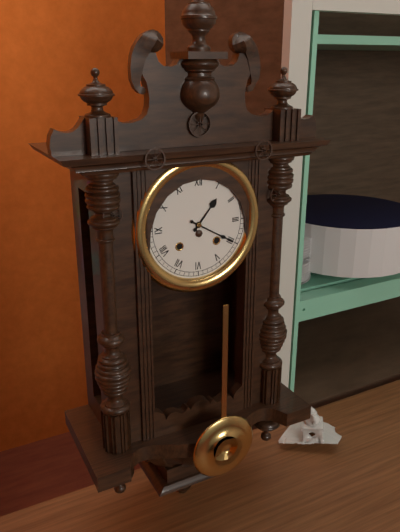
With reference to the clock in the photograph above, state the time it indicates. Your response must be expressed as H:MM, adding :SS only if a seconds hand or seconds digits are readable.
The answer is 1:20
